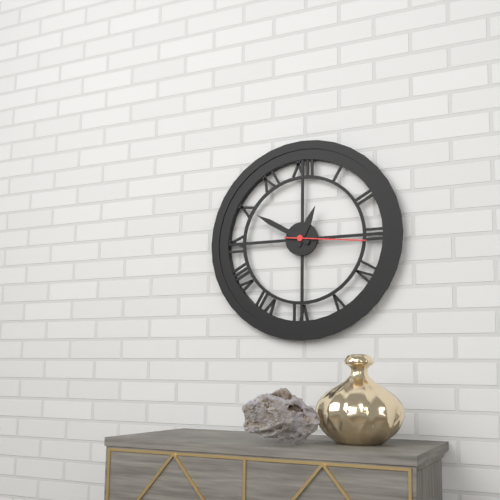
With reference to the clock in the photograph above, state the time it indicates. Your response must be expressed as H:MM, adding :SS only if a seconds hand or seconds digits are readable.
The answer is 12:50:16
